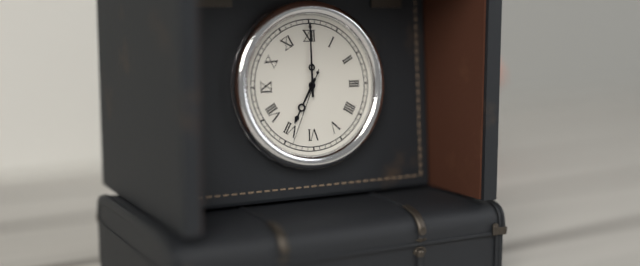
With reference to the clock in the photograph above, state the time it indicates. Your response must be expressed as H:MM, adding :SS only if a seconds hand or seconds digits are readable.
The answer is 7:00:34
